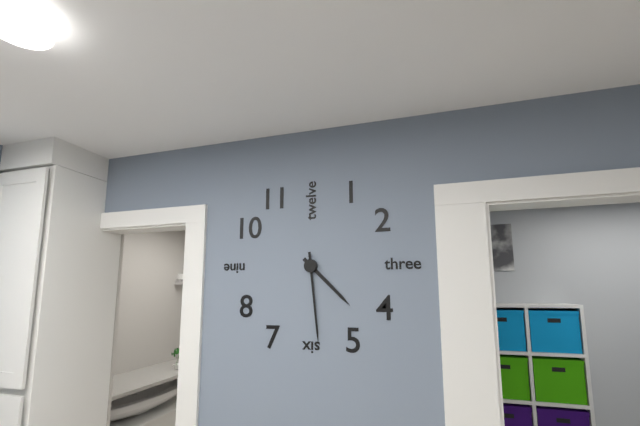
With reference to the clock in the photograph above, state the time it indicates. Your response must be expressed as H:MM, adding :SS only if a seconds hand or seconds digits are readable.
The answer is 4:29
